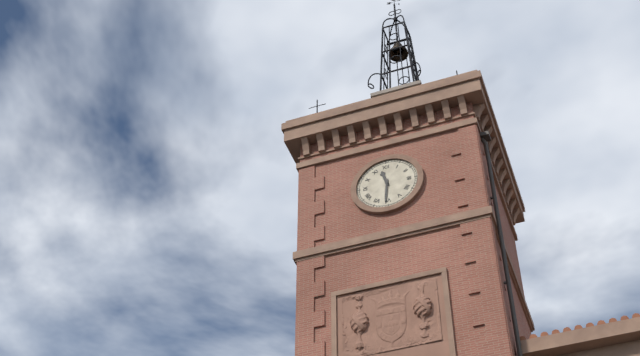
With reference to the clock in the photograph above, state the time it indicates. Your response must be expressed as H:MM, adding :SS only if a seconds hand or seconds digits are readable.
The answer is 11:31
